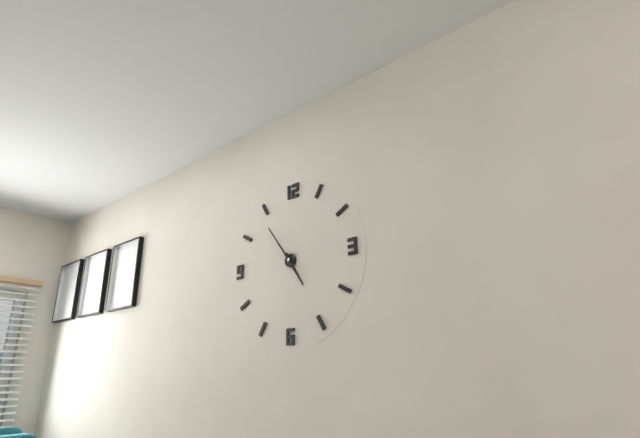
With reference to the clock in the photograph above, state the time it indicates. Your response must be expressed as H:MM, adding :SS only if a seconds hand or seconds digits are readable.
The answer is 4:54
